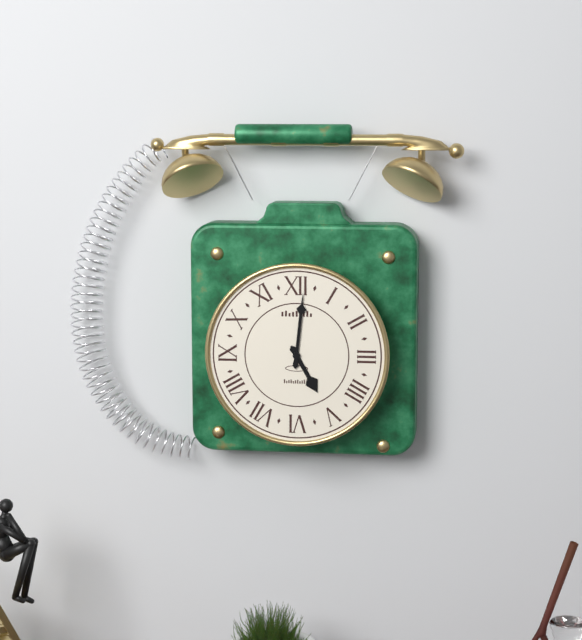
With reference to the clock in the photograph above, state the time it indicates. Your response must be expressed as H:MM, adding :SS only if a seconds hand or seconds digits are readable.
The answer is 5:01
